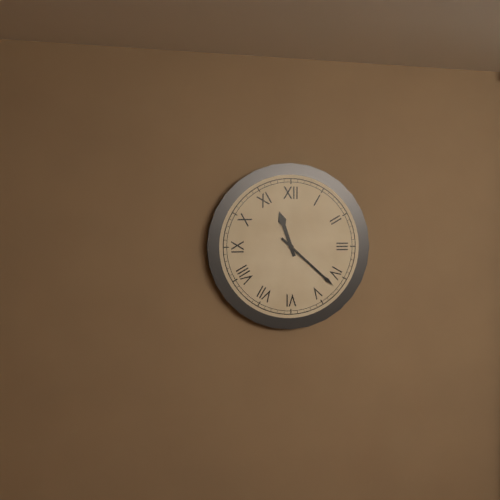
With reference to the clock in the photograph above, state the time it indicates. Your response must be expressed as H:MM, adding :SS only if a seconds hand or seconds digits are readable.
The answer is 11:22
